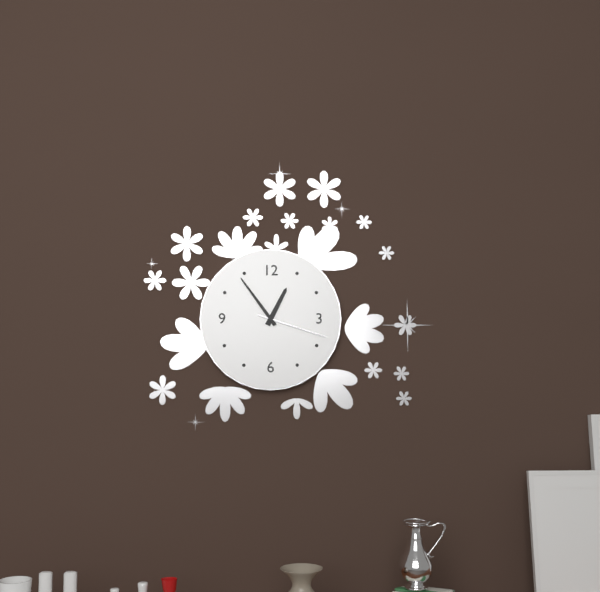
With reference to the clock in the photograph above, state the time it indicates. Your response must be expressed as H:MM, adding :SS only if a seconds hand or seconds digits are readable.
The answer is 12:54:18
